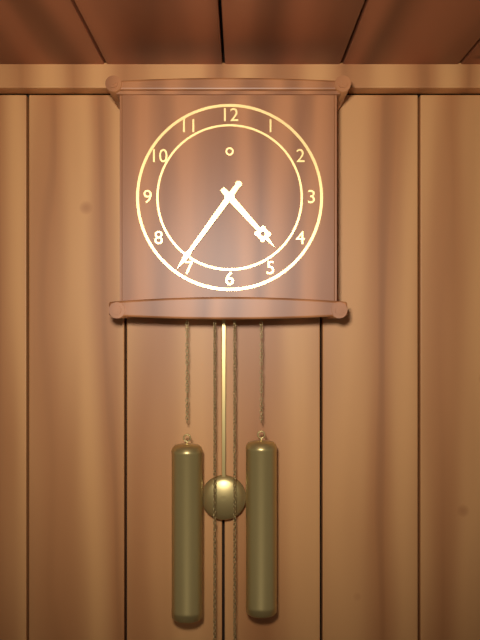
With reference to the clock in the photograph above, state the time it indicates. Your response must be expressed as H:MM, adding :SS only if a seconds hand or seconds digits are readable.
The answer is 4:36
